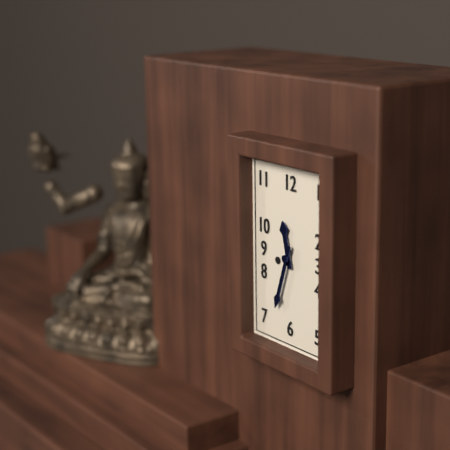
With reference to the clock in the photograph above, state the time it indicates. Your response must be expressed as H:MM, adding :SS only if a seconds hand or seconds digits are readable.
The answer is 11:33
